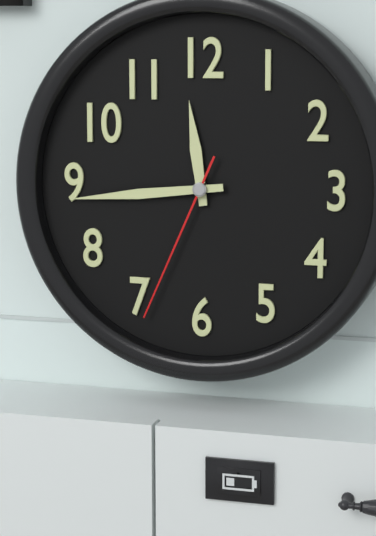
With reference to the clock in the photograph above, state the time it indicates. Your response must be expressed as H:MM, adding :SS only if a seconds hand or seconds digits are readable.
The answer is 11:44:34
